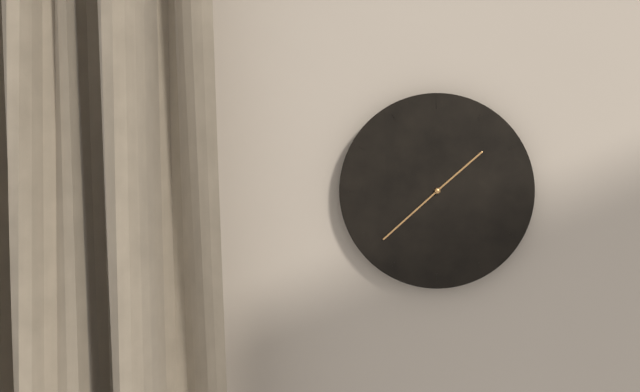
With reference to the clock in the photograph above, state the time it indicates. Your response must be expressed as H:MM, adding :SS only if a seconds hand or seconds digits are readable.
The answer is 1:38
